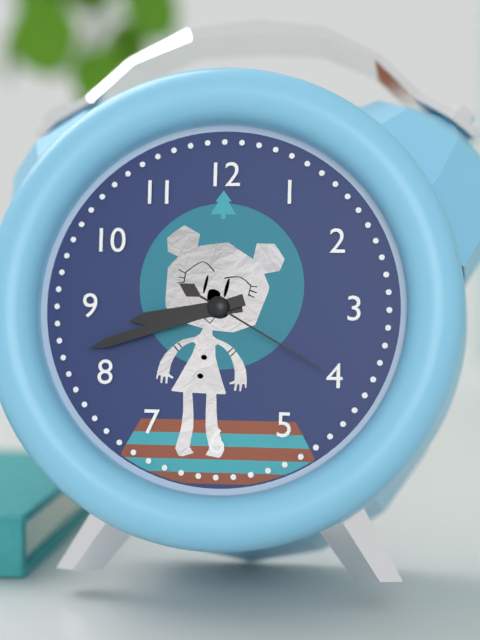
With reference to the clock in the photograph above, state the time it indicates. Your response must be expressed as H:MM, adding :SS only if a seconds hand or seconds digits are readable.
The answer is 8:42:20
